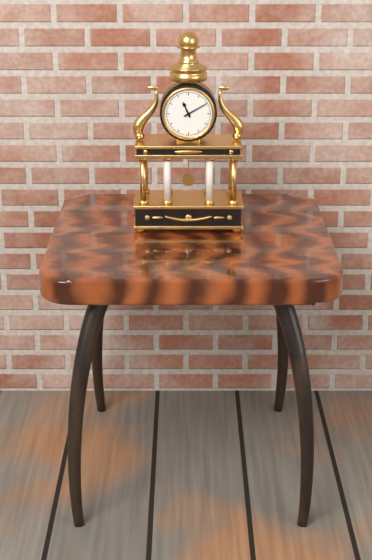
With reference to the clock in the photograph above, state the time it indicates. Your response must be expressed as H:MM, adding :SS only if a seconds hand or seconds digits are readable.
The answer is 11:10
